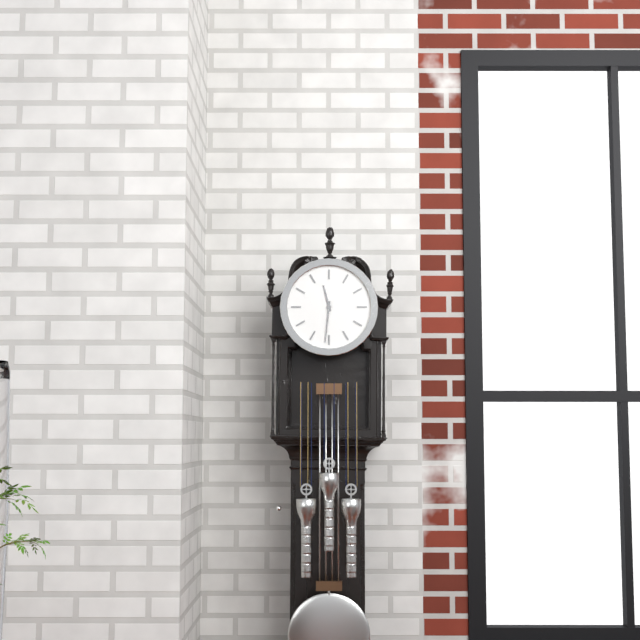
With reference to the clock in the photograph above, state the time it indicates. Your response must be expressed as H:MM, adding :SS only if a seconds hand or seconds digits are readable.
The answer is 11:31
